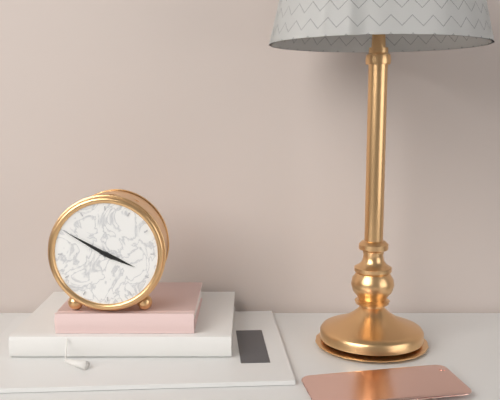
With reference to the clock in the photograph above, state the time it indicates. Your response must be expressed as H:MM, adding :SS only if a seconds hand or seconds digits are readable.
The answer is 3:50
